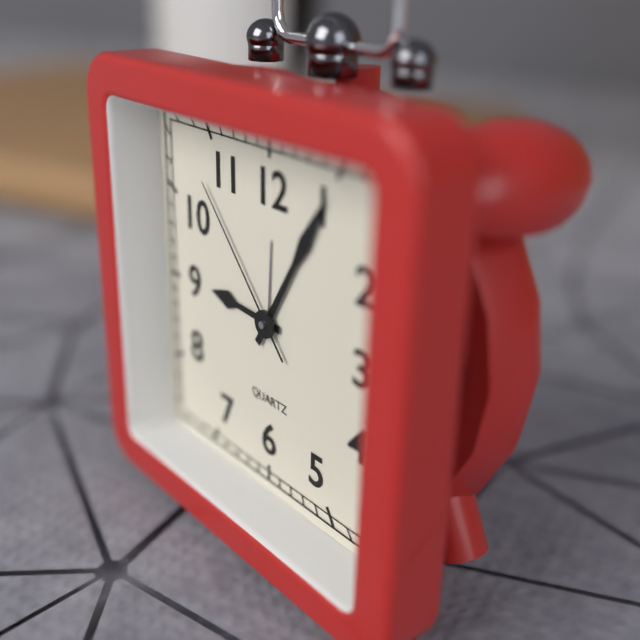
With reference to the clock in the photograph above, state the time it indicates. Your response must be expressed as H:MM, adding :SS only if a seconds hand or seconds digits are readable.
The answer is 9:05:53
